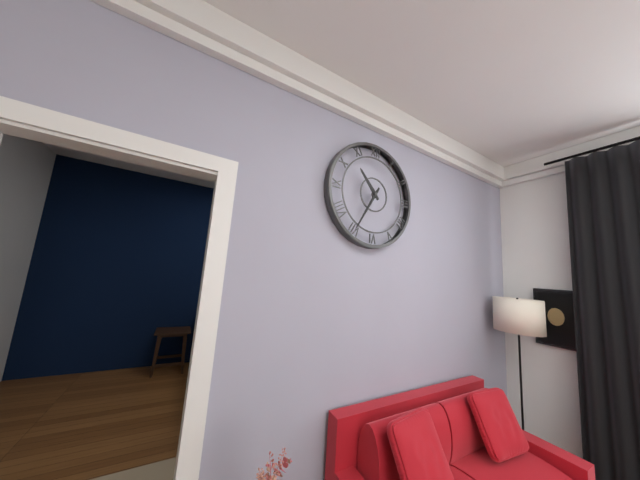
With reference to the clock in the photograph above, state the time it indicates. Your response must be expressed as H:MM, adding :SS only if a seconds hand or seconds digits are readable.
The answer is 10:35
